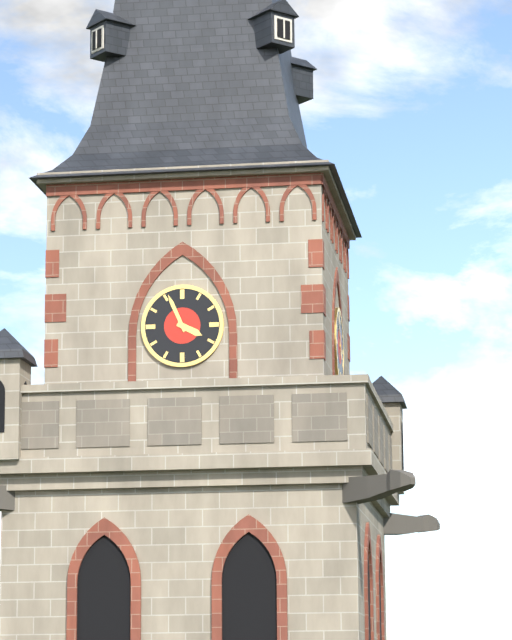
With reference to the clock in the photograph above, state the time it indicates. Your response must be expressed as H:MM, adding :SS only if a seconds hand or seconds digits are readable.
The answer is 3:56
